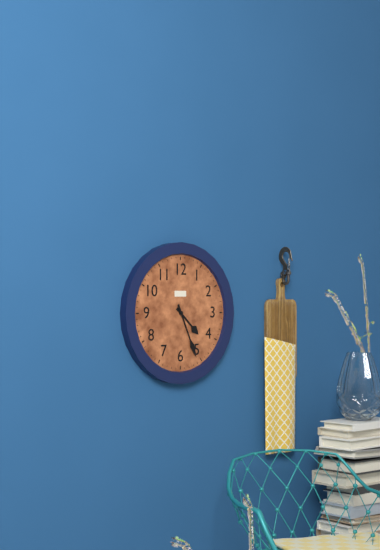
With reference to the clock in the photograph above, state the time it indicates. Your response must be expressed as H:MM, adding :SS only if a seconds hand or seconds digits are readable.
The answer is 4:26
